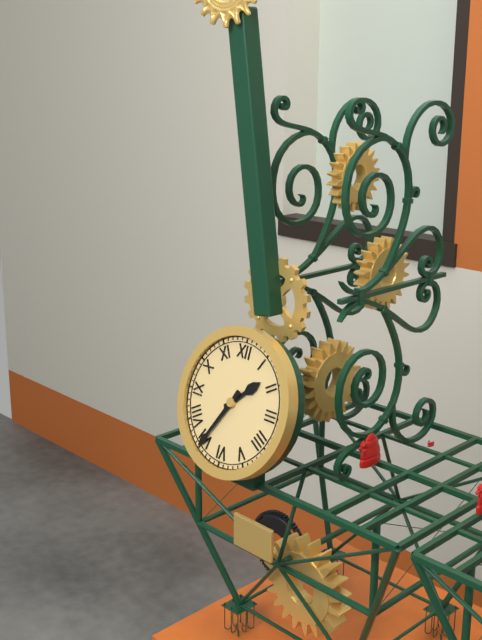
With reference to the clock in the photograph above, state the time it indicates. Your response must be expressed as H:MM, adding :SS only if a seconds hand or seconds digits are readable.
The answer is 1:35
